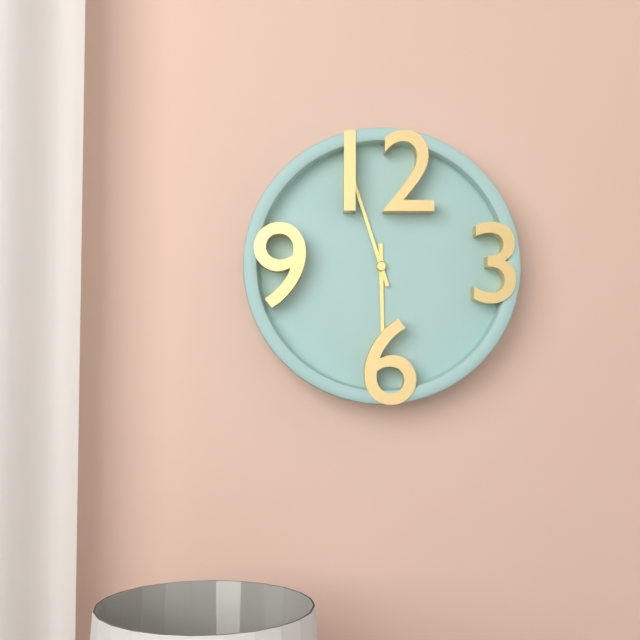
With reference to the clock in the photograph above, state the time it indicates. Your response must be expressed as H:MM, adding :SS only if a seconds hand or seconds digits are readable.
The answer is 5:57
